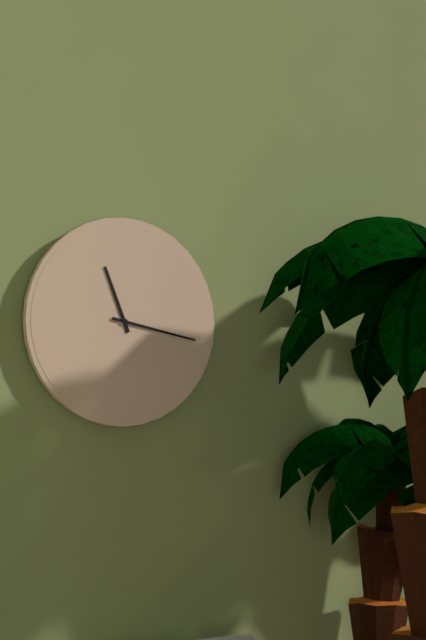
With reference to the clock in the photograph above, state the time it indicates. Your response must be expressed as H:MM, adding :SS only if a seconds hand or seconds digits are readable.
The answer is 11:17
